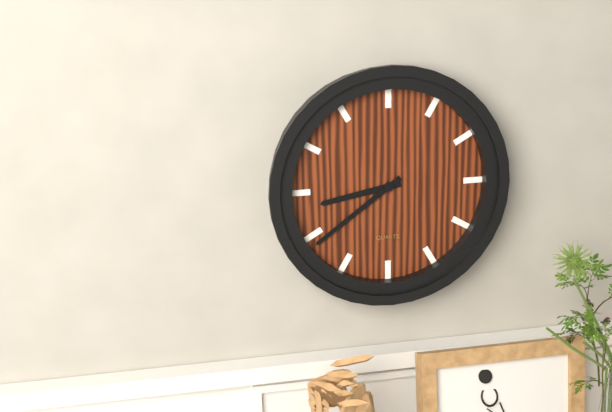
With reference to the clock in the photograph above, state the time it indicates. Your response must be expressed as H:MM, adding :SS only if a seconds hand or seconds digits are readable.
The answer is 8:39
